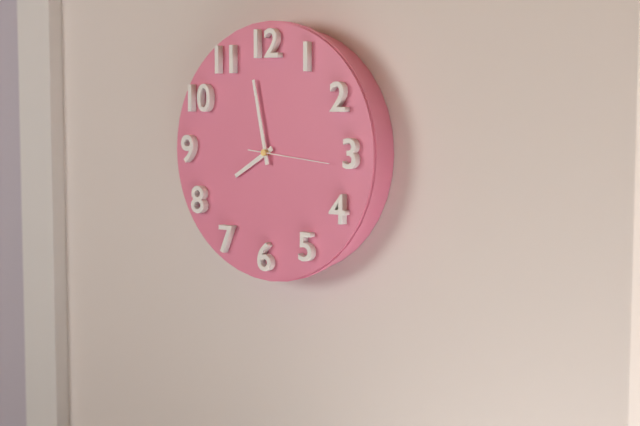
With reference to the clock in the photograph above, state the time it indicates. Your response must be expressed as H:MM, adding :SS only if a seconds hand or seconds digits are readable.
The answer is 7:58:16
